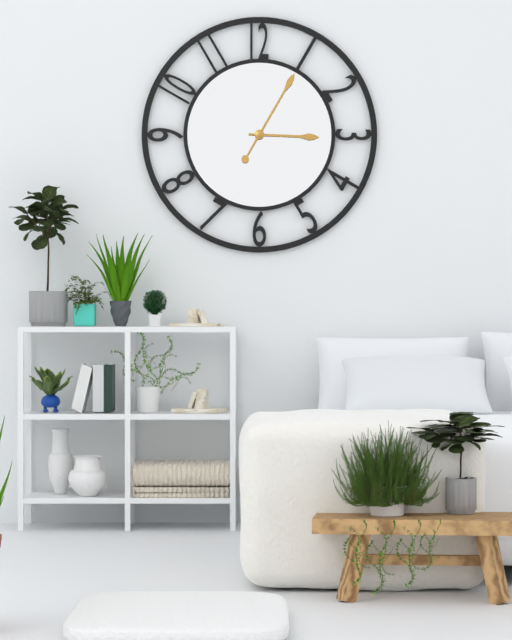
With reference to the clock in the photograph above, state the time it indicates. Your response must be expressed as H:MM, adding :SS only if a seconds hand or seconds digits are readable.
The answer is 3:05
